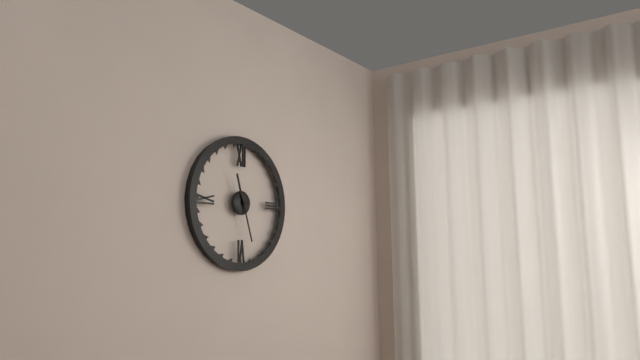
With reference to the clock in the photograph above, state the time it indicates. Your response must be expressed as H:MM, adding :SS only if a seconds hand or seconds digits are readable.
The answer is 11:27
